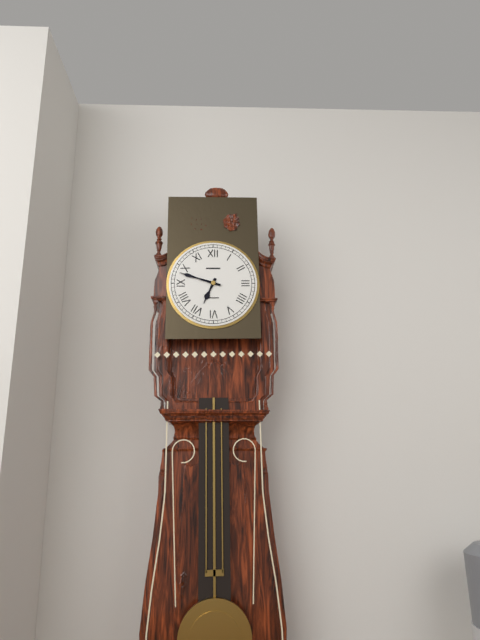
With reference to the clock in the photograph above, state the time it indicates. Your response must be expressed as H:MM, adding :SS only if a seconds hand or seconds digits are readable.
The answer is 6:48
